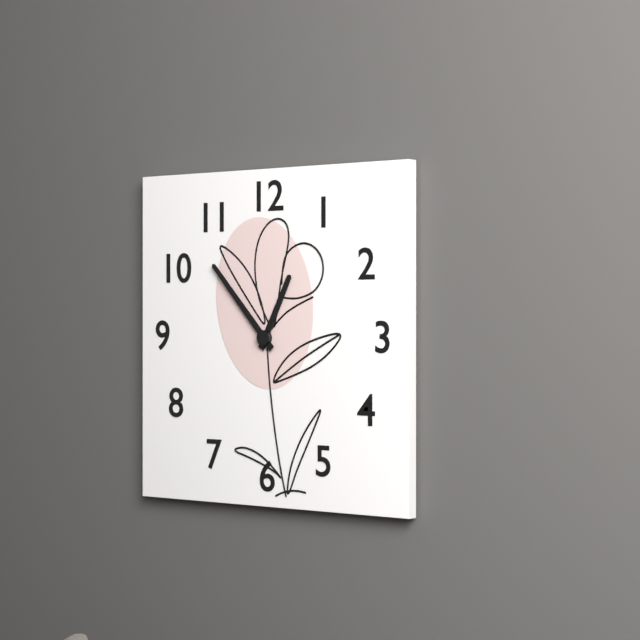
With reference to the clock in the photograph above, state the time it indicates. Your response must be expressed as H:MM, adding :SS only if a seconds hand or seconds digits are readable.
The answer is 12:53
